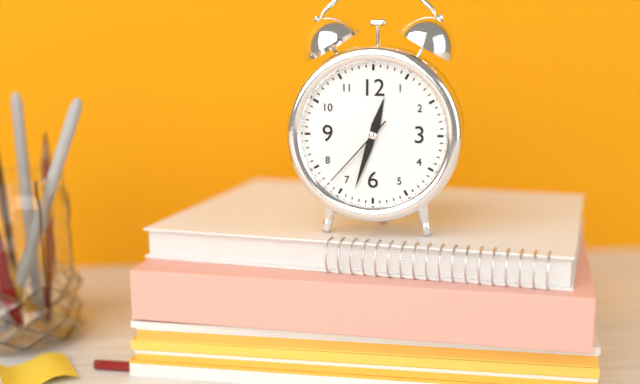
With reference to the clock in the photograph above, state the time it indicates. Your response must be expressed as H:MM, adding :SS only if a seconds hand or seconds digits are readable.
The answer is 12:33:37
